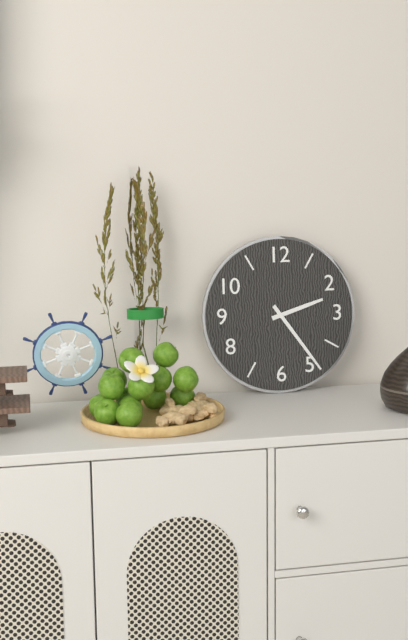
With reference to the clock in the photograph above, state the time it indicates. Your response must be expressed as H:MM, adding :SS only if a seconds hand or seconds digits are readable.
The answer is 2:24
